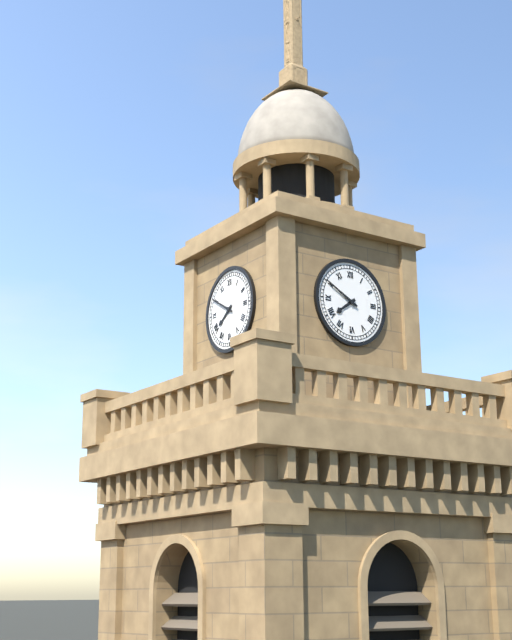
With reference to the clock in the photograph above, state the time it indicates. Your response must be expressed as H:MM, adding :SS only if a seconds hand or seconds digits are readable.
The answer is 7:50
